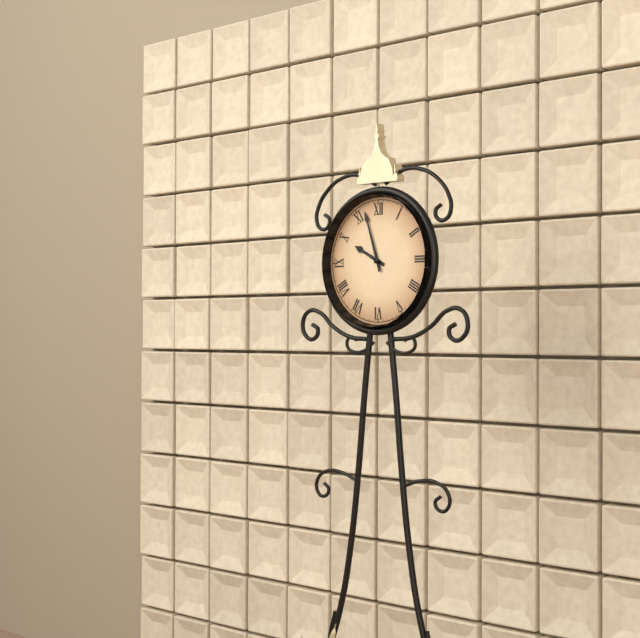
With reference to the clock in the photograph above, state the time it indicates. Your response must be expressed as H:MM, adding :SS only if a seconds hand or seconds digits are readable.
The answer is 9:57
